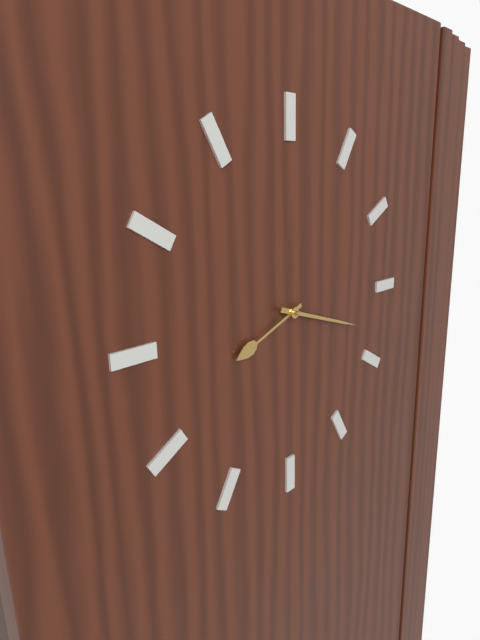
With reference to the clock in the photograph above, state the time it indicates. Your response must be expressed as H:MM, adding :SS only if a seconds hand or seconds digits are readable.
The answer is 8:18
